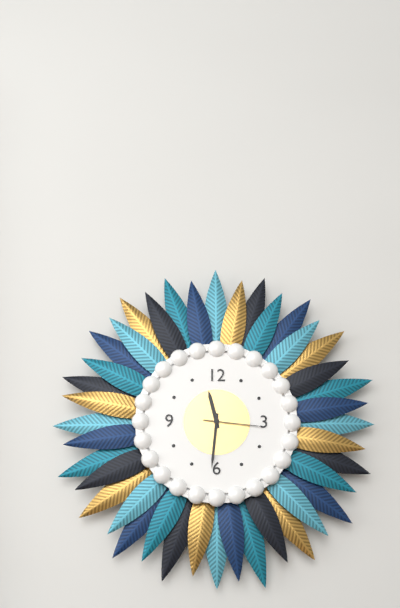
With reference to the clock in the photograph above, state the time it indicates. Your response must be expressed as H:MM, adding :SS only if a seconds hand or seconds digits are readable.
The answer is 11:31:16
